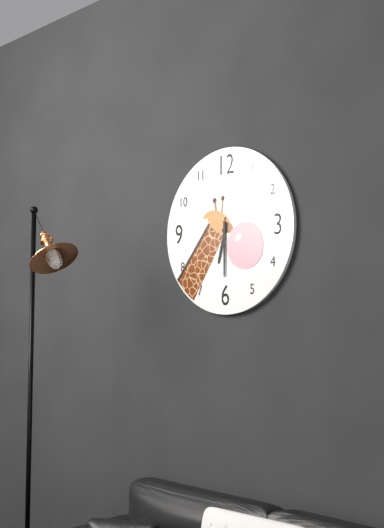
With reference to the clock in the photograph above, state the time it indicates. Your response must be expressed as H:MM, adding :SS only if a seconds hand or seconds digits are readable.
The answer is 6:30
